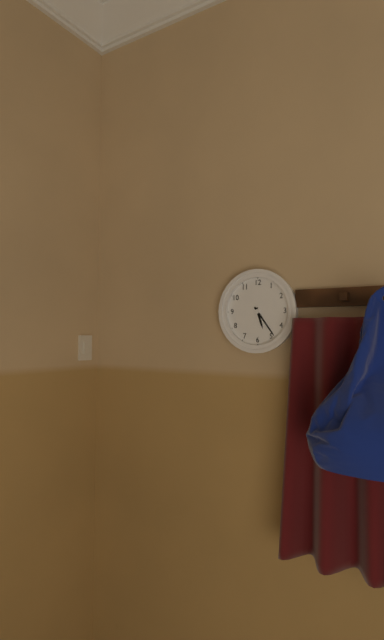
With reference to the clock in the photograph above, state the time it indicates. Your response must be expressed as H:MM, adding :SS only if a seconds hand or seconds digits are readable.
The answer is 5:24
